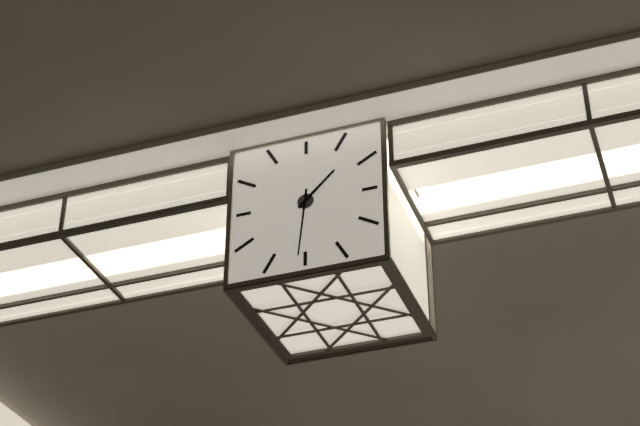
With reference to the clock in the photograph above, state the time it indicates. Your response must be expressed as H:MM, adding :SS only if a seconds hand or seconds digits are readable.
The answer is 1:31
